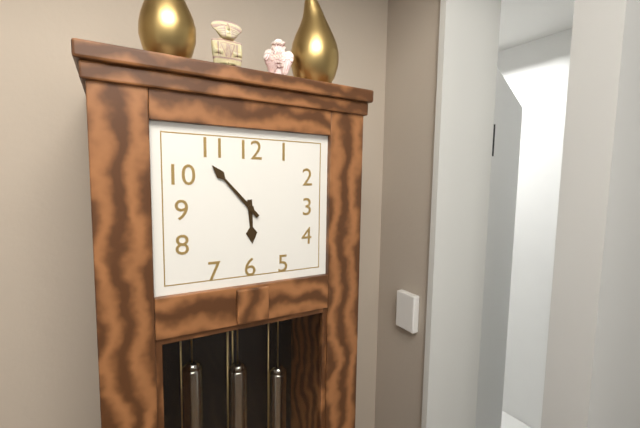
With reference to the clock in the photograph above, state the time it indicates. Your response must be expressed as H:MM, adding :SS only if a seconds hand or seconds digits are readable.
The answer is 5:53
